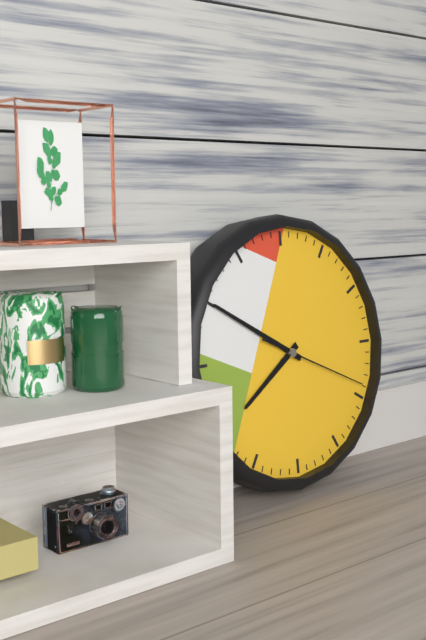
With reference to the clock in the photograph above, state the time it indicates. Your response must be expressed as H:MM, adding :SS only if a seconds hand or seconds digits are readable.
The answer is 7:50:19
